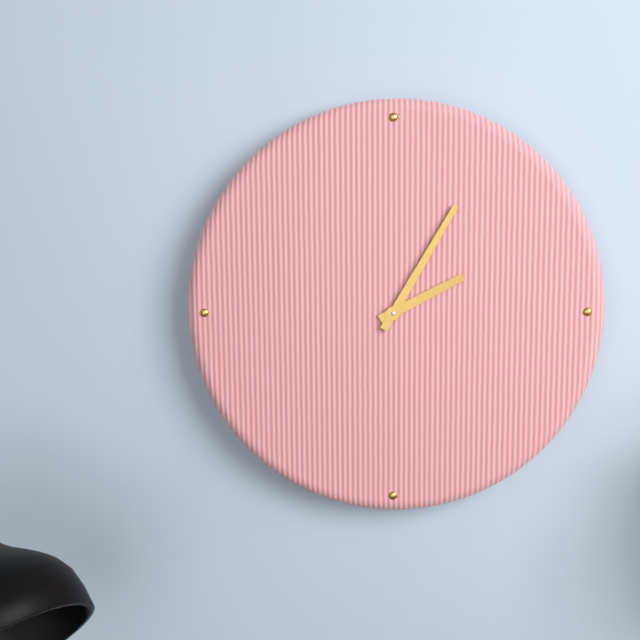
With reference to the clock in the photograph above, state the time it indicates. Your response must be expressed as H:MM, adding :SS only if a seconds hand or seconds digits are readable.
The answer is 2:05
